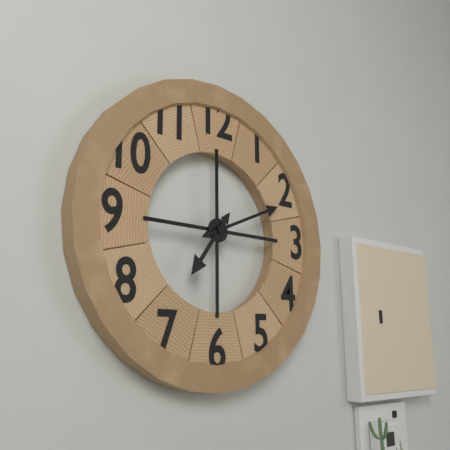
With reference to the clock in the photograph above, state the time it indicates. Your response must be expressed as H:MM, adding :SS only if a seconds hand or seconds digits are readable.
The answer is 7:11
